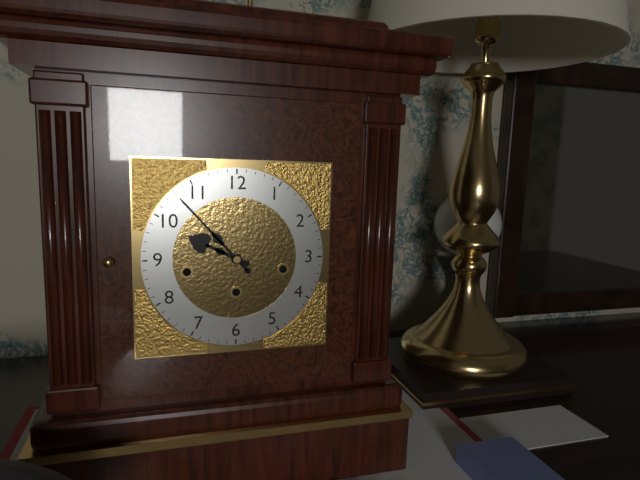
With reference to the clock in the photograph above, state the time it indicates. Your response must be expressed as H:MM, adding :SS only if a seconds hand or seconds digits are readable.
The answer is 9:53
